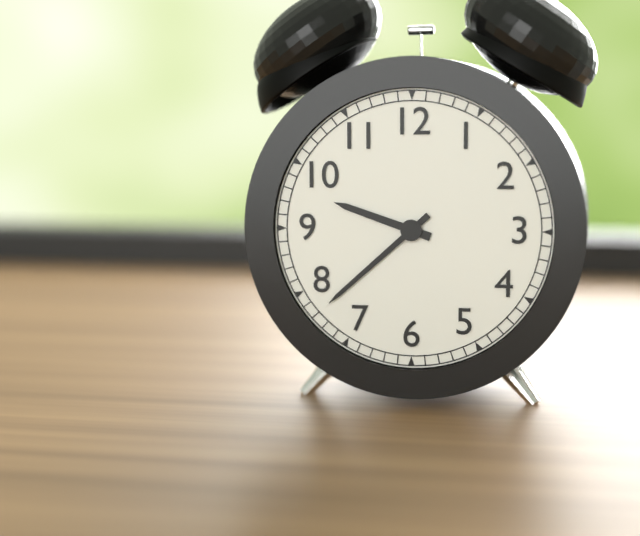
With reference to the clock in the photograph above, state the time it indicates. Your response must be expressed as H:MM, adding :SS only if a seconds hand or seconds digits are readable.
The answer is 9:38
